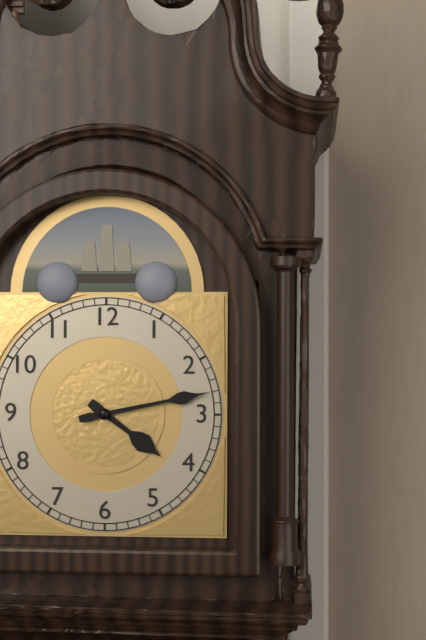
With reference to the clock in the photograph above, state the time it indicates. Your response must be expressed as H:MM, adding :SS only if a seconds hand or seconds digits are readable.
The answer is 4:13
